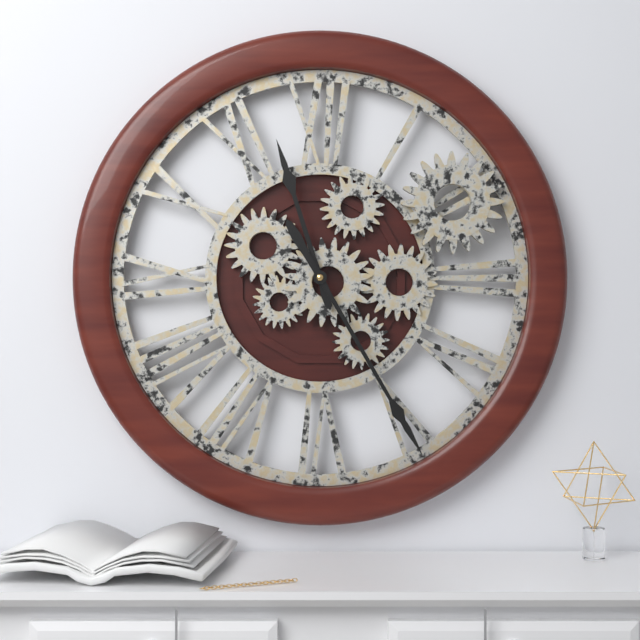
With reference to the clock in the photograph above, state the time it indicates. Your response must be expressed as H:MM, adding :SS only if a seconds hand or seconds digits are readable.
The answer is 11:25
